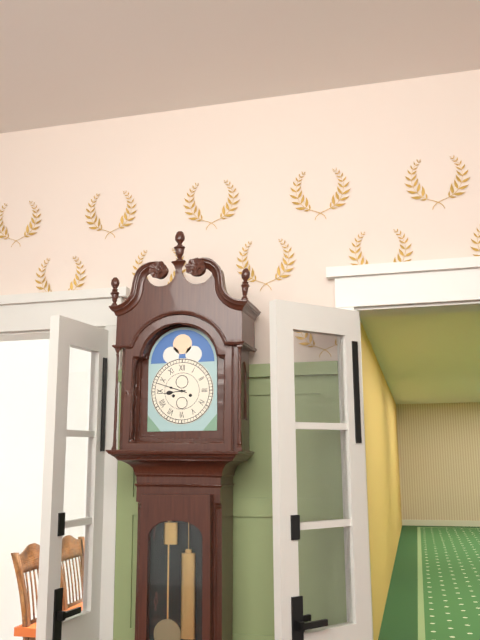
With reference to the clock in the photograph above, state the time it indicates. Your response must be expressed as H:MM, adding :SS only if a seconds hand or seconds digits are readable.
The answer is 8:48
